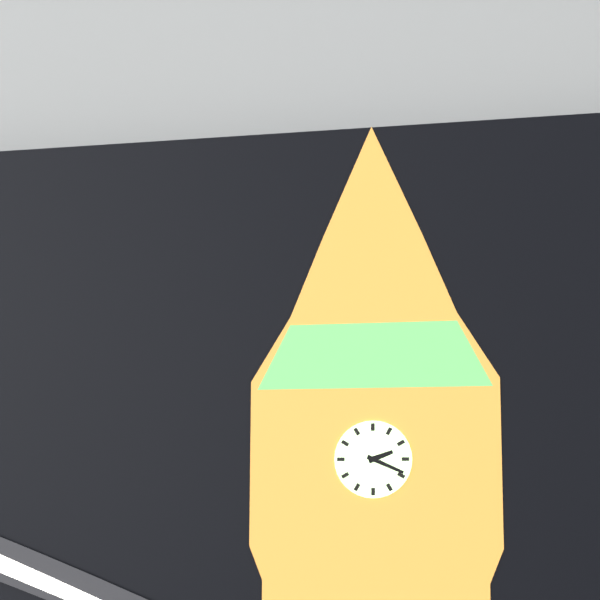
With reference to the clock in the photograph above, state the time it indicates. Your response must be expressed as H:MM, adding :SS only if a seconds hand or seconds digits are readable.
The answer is 2:19
